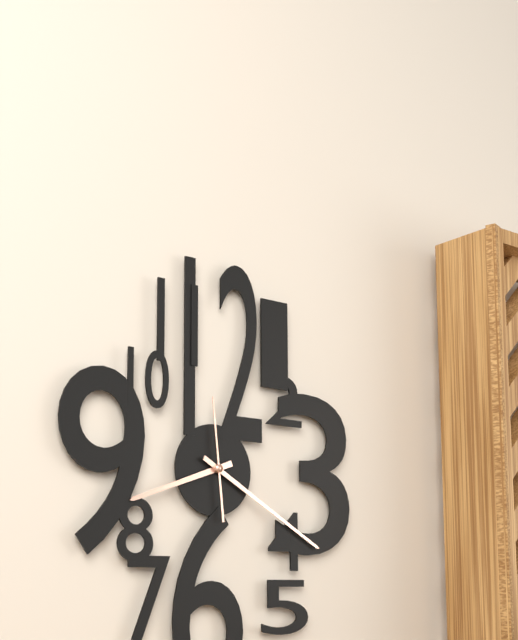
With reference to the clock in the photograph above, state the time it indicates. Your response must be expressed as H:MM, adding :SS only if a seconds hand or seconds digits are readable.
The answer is 8:20:59
